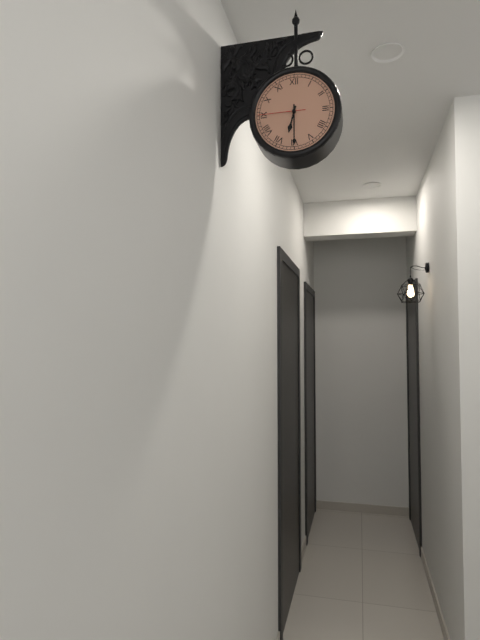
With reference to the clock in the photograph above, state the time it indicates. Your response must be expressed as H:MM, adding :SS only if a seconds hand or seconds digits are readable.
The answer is 6:30
